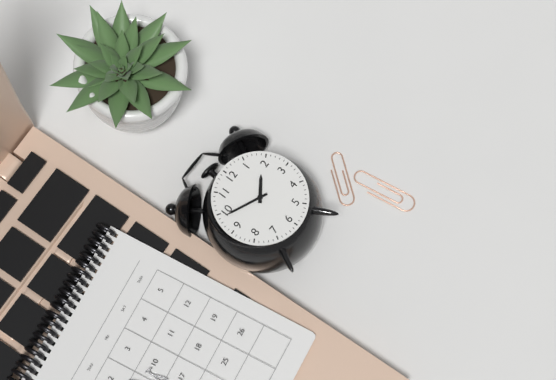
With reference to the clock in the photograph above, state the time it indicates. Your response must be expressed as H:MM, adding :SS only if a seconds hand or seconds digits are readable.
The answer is 1:49
